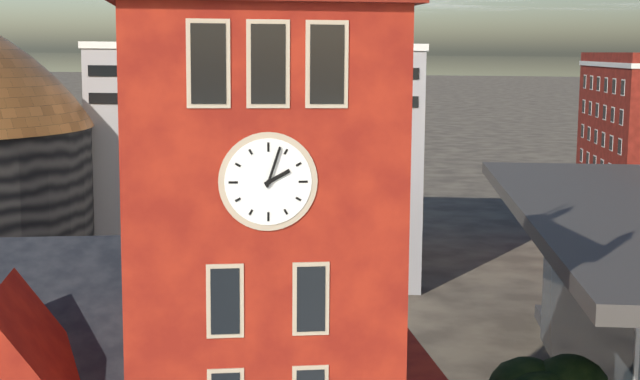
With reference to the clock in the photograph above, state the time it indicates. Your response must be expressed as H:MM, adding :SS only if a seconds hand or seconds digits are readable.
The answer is 2:03
